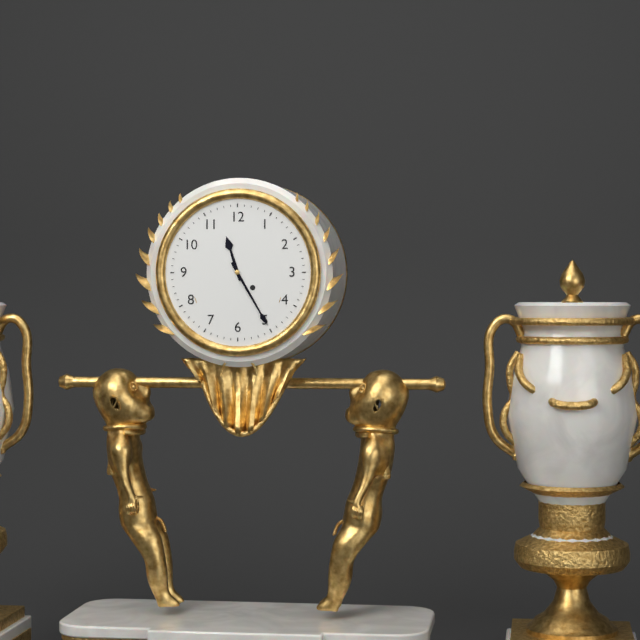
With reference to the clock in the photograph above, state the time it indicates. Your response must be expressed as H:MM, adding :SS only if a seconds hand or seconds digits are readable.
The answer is 11:25
